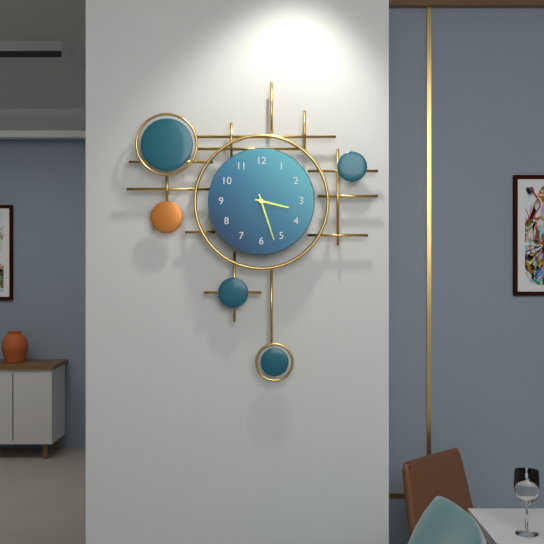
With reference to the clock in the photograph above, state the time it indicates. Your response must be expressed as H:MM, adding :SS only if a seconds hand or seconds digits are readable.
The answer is 3:27
